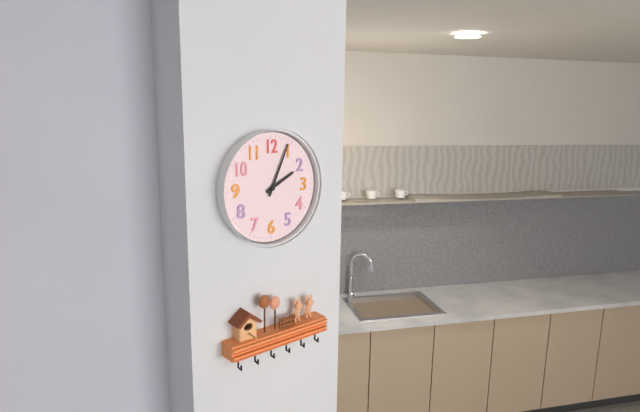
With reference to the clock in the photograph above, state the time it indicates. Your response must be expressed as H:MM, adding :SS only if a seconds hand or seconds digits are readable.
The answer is 2:04
